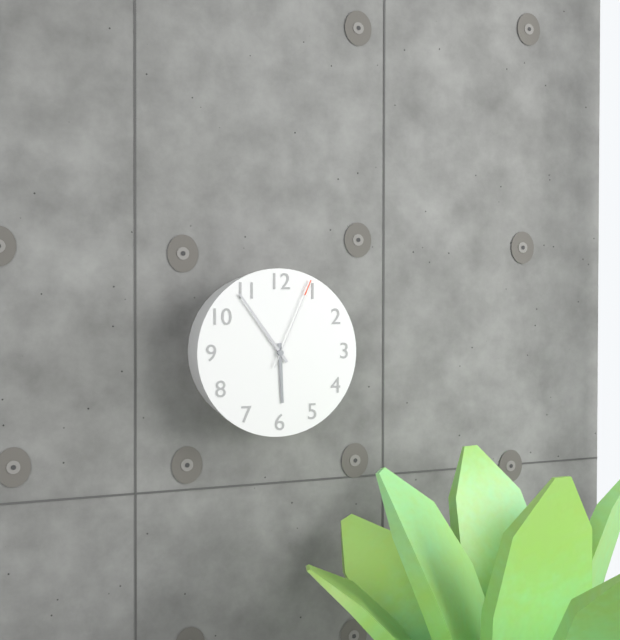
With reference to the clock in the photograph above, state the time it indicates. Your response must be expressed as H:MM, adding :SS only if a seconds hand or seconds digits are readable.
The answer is 5:54:04
